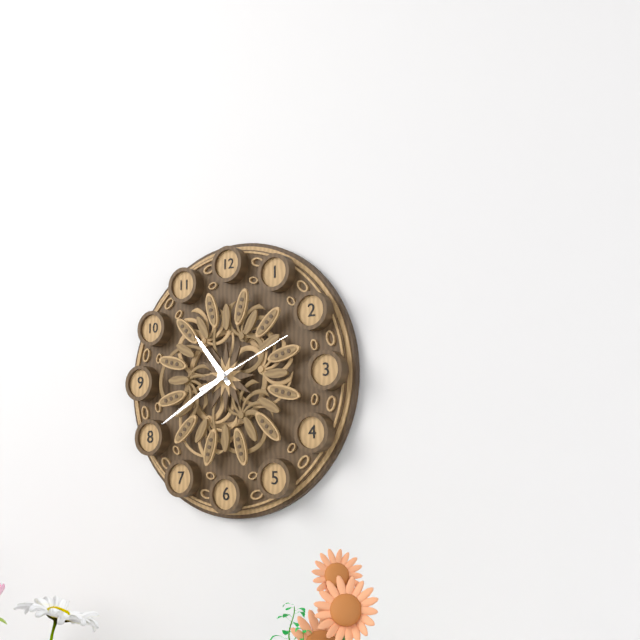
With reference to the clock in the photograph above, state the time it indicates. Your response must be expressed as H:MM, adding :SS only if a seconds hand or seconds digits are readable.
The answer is 10:40:11
